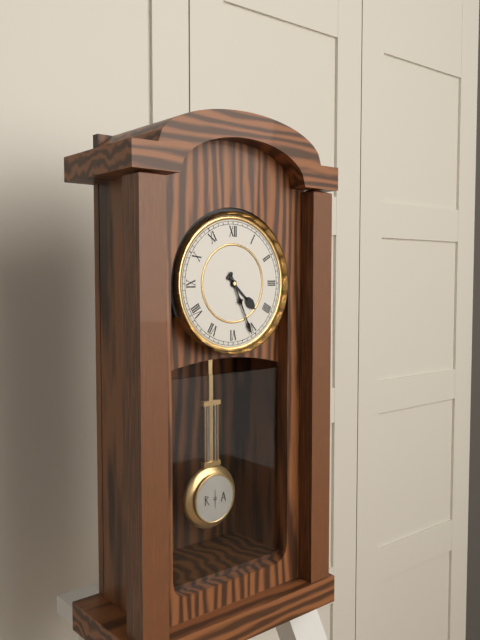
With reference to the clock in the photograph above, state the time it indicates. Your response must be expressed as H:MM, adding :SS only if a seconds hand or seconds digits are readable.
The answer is 4:26
